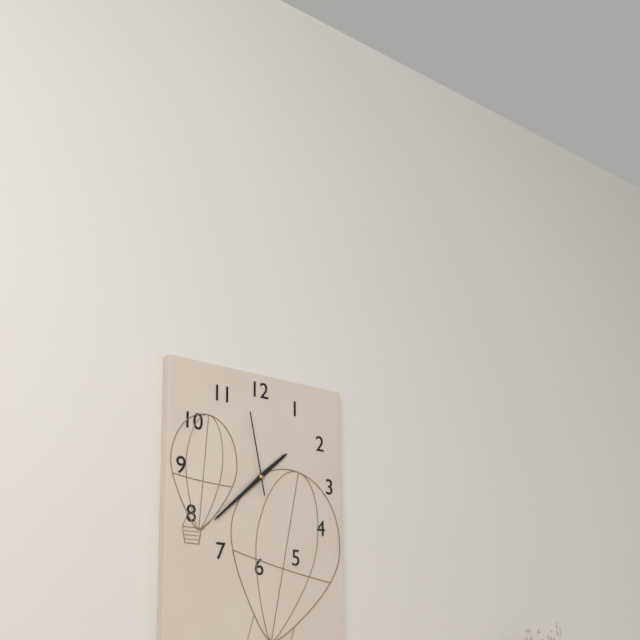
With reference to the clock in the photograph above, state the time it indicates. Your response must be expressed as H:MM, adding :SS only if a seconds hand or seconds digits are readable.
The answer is 1:38:58
